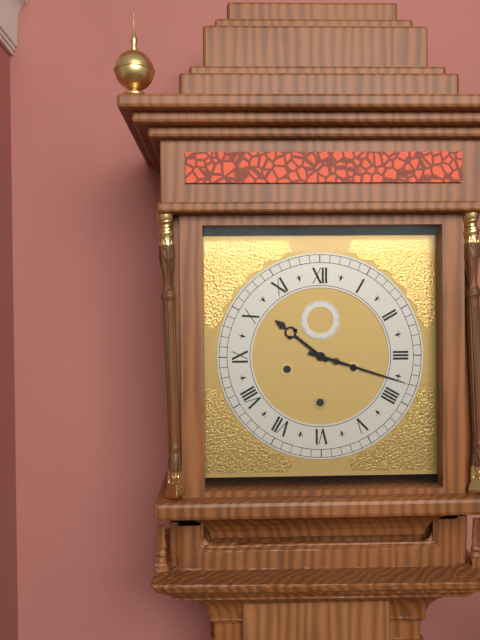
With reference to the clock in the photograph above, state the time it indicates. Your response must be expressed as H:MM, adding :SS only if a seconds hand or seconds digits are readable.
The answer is 10:18
